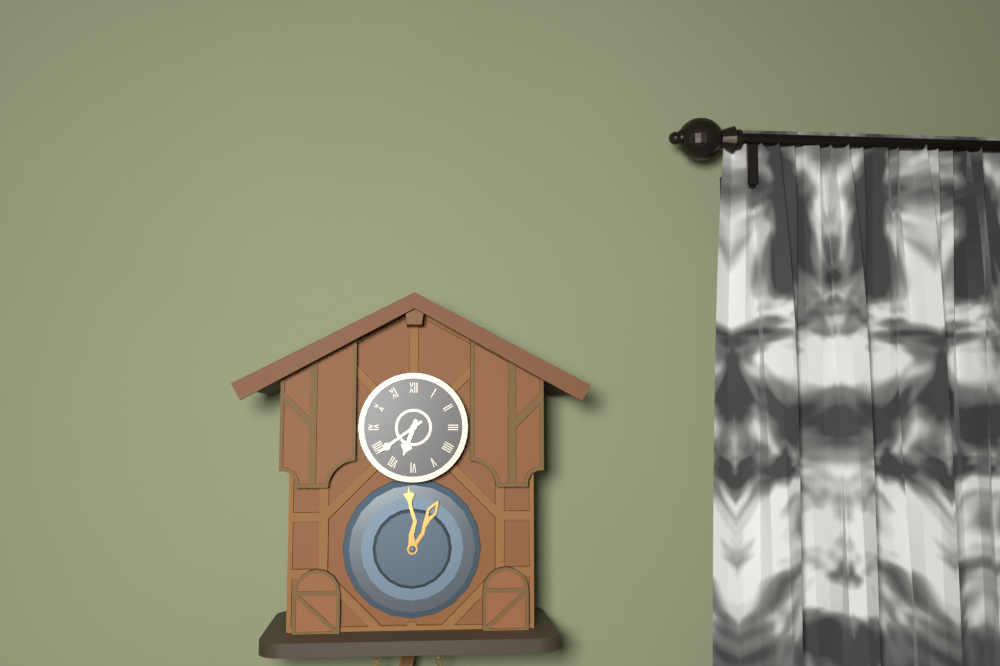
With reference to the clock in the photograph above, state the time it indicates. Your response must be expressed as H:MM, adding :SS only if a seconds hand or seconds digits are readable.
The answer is 6:39
